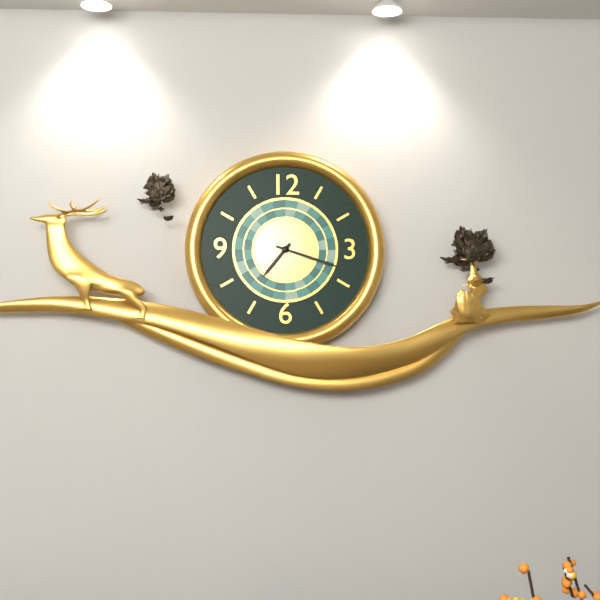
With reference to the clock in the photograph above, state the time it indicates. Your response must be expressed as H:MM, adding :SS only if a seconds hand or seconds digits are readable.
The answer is 7:18
